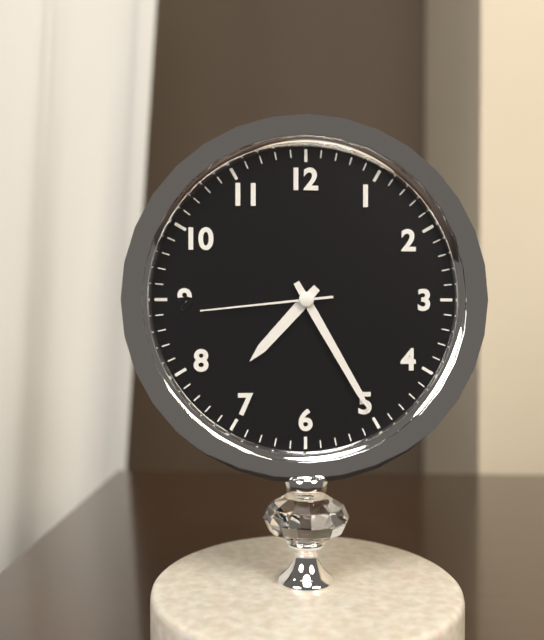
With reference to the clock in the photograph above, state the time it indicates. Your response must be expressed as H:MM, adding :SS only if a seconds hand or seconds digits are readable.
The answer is 7:25:44
